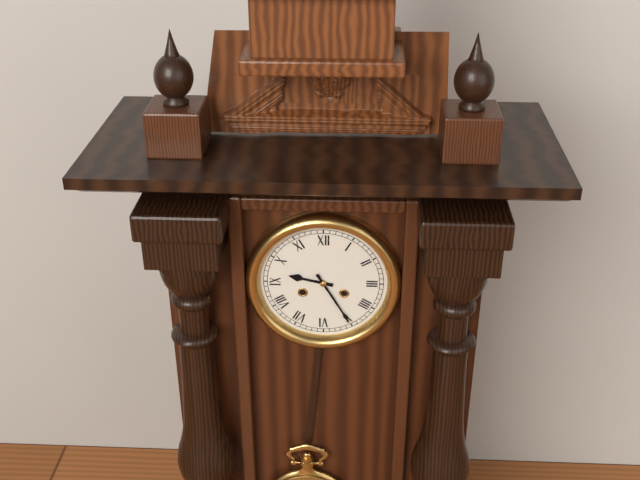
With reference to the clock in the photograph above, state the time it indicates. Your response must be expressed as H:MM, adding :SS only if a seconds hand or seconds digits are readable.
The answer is 9:25
